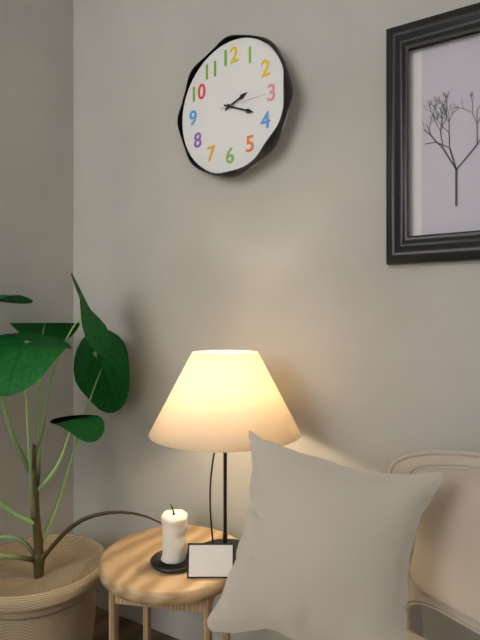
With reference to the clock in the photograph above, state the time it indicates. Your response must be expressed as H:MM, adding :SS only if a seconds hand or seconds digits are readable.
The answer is 2:19
